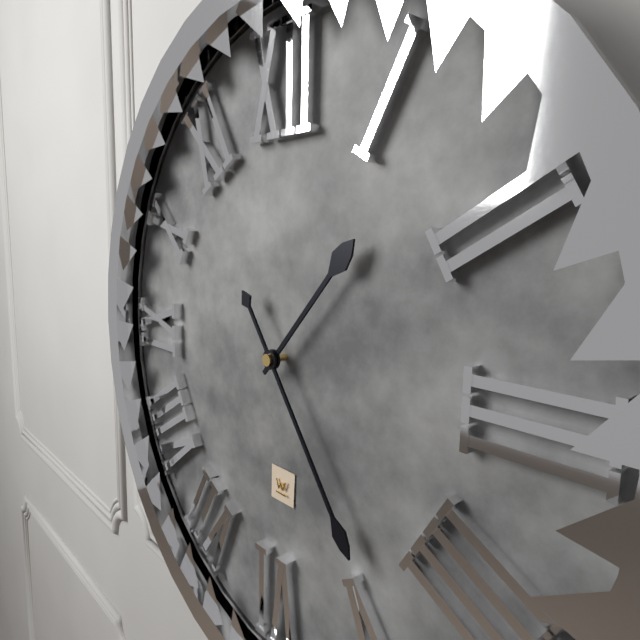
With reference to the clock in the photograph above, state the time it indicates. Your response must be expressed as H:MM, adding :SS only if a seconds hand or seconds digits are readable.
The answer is 1:24
